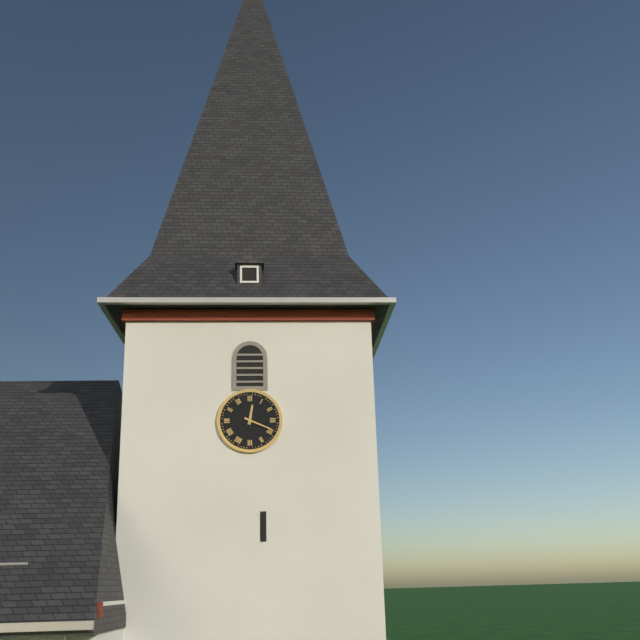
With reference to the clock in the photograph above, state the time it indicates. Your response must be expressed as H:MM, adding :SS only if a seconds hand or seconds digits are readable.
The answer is 12:19
